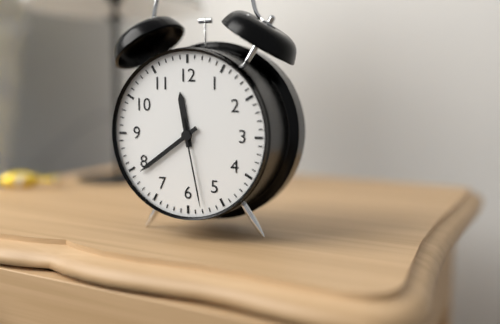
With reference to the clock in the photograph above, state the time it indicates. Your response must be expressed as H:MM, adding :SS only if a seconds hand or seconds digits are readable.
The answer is 11:39:28
